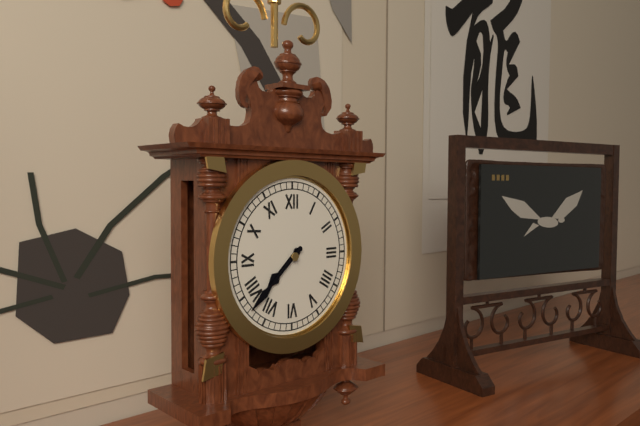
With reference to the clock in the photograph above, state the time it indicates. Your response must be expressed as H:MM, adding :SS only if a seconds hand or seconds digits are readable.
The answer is 7:38
